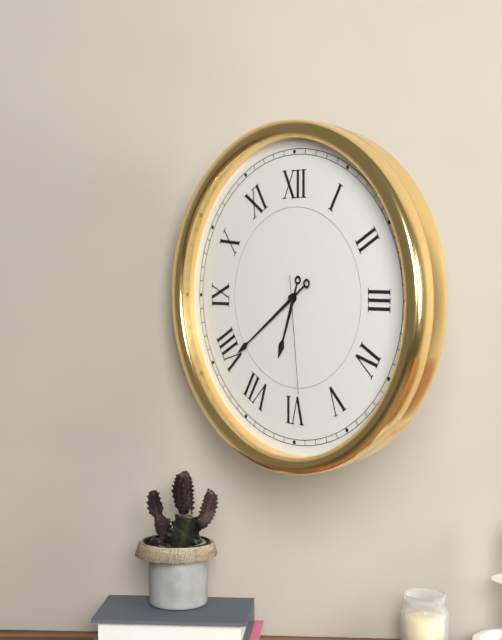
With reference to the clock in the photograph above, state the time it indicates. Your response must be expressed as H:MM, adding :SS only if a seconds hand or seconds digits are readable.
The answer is 6:39:29
